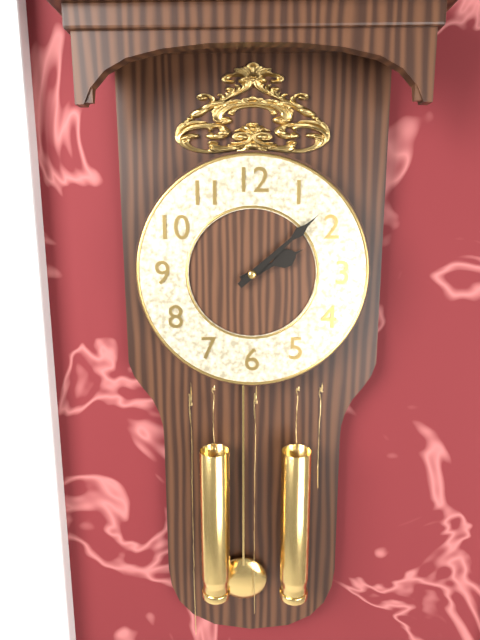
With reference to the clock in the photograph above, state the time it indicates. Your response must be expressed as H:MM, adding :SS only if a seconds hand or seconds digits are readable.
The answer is 2:08
